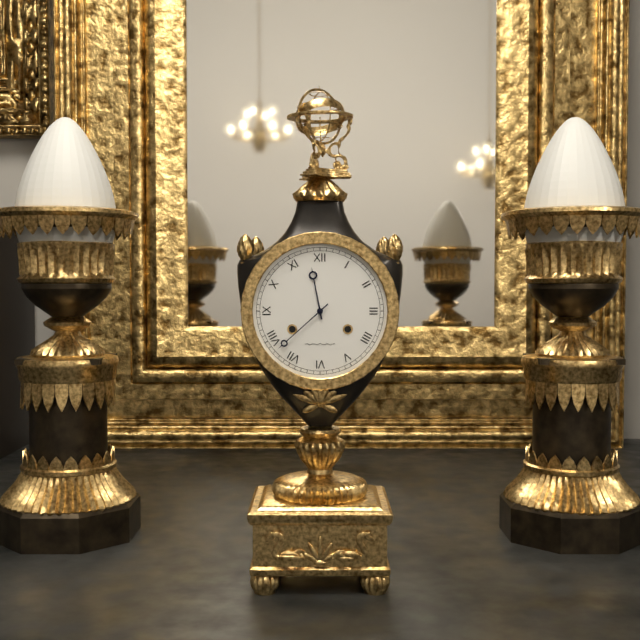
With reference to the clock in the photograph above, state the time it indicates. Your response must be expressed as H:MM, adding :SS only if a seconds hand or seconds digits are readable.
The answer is 11:38
